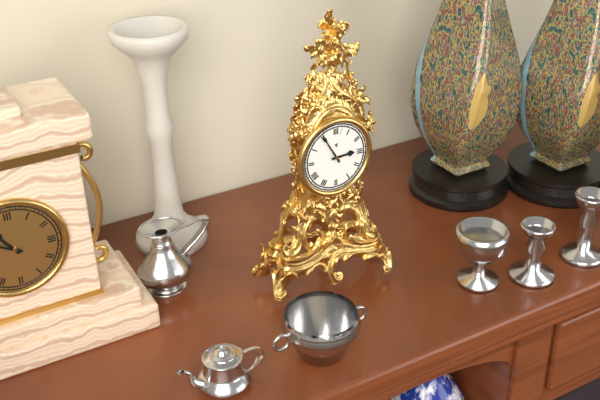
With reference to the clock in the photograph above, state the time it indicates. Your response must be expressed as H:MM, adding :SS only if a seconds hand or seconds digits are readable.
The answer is 2:55
